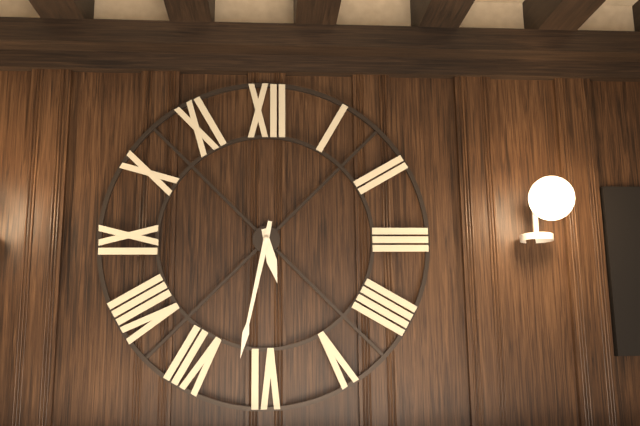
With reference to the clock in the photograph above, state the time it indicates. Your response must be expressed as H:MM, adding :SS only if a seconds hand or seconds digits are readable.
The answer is 5:32
